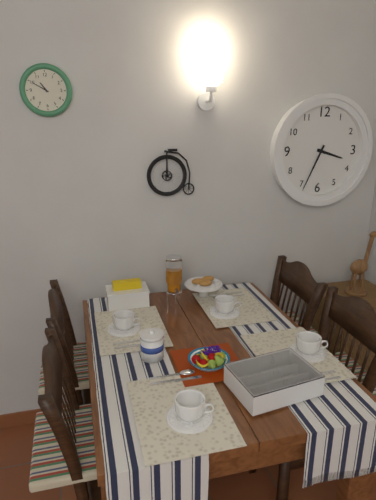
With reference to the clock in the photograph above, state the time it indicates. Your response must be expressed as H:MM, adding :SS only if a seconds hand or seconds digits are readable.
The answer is 3:34
